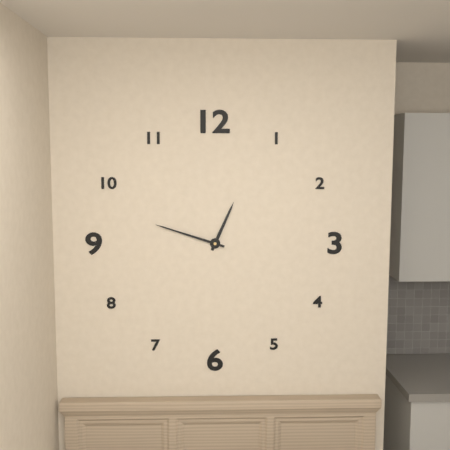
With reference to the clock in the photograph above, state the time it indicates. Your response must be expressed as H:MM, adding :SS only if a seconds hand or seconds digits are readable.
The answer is 12:48
